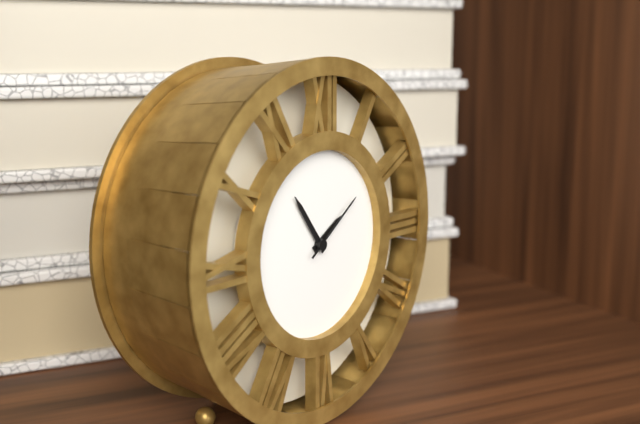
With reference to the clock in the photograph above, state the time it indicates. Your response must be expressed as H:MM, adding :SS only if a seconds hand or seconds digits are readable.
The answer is 1:54:09
